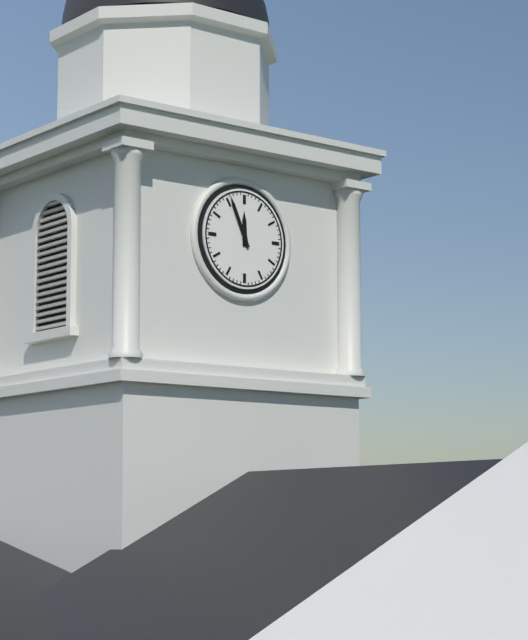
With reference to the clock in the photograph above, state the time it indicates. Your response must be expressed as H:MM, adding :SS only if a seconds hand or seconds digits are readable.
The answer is 11:56
